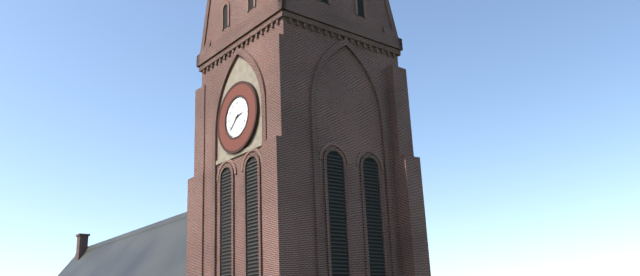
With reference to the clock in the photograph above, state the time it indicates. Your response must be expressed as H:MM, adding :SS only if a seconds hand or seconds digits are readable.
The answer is 2:38
